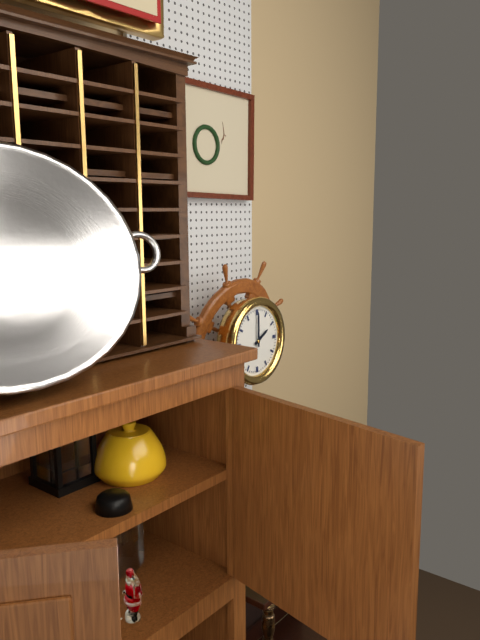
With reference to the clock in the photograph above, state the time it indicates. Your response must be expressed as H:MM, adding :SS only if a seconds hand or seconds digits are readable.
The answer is 2:00
